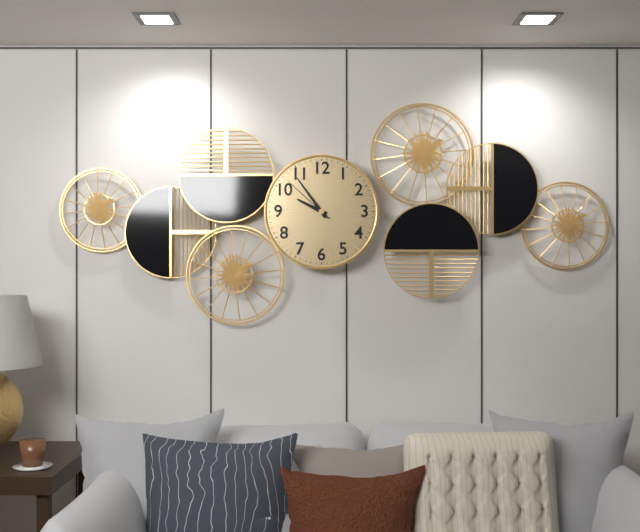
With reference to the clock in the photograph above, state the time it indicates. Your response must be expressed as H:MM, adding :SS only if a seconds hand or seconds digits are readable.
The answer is 9:54:52
